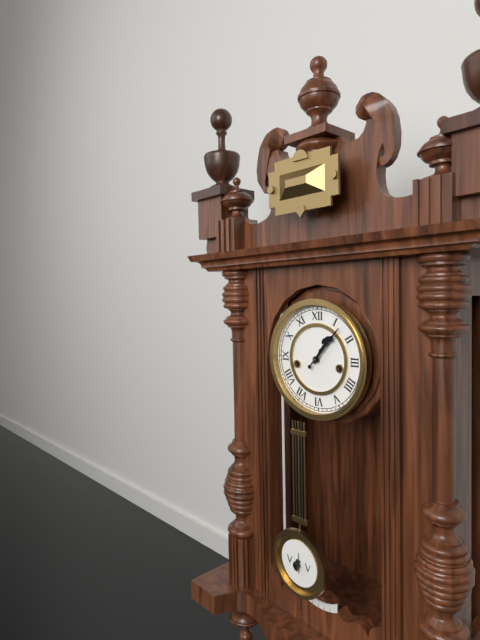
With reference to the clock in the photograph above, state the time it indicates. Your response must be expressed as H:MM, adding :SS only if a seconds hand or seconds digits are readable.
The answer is 1:07
